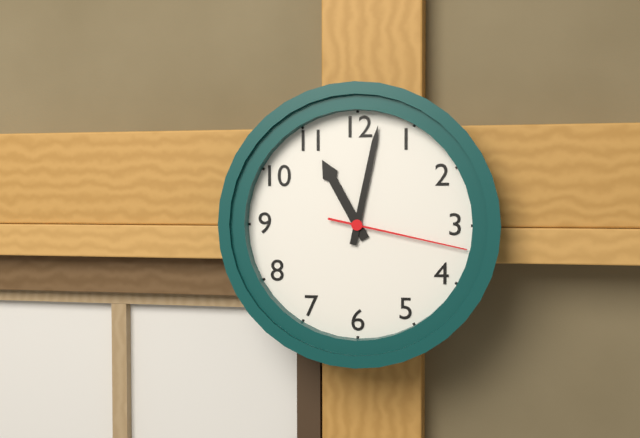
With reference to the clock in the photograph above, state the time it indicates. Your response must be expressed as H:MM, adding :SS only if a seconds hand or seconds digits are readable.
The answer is 11:02:17
